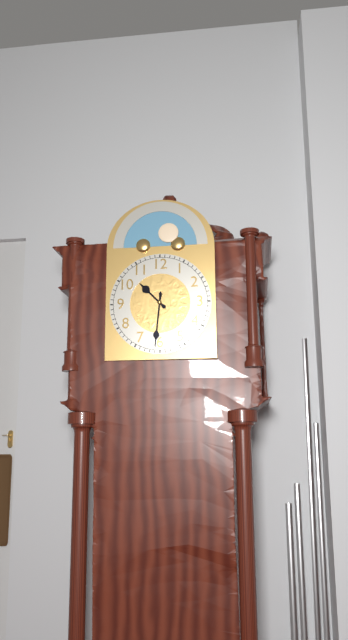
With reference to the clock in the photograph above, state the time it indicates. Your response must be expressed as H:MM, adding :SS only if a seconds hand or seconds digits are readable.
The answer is 10:31
